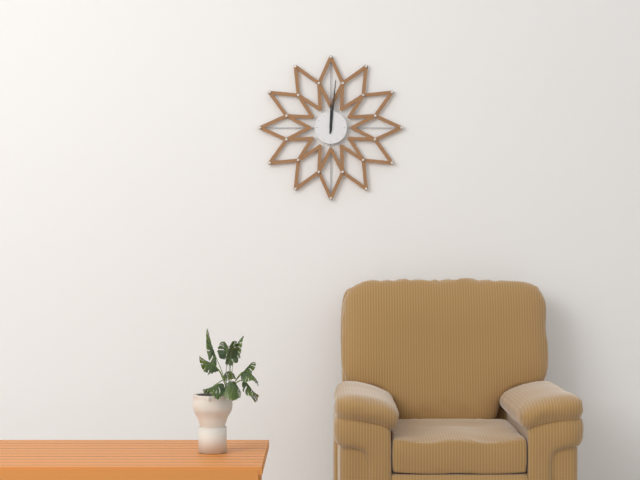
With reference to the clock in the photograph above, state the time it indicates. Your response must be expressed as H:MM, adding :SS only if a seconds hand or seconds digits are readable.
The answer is 12:01
